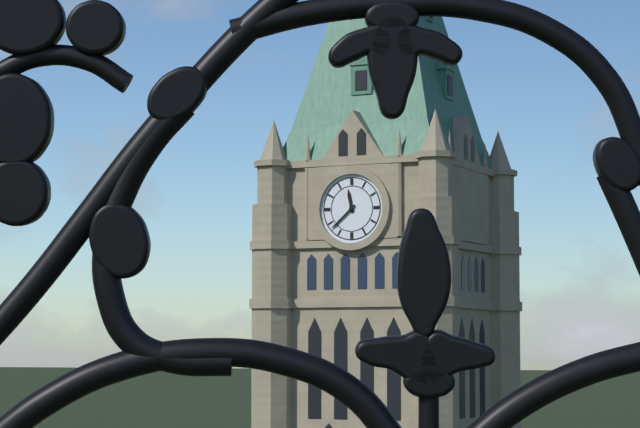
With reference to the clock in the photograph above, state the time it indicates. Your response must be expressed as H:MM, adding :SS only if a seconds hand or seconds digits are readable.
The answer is 11:38
